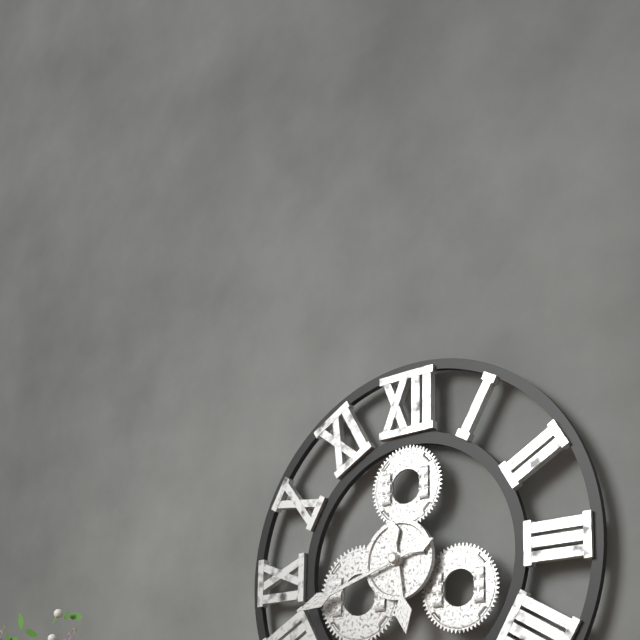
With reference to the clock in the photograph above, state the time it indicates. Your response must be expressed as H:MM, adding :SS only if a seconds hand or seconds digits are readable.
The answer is 5:42
